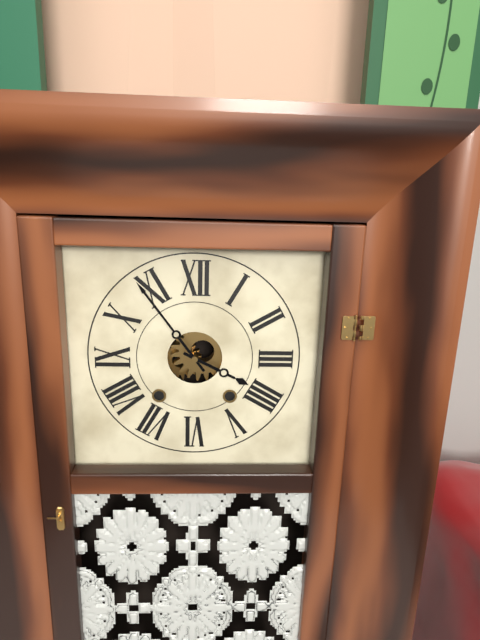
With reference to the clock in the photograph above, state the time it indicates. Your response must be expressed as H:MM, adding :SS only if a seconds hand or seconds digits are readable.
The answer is 3:54
